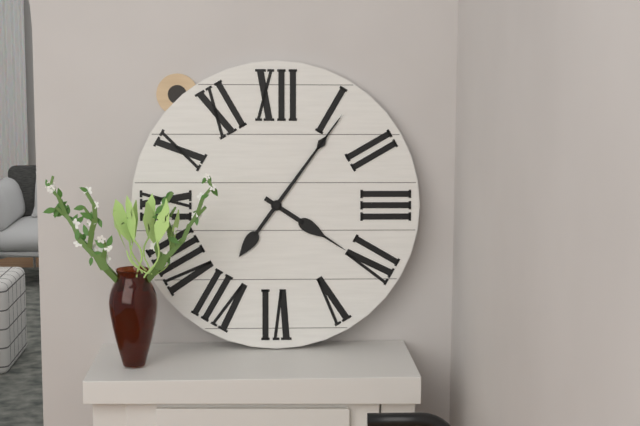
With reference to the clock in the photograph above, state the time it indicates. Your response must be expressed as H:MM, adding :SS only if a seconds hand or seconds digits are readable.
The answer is 4:06
